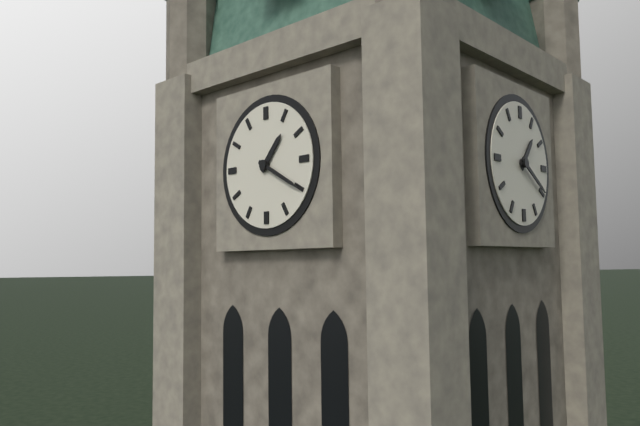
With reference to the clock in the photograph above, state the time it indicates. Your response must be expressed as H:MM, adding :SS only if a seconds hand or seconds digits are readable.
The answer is 1:20
